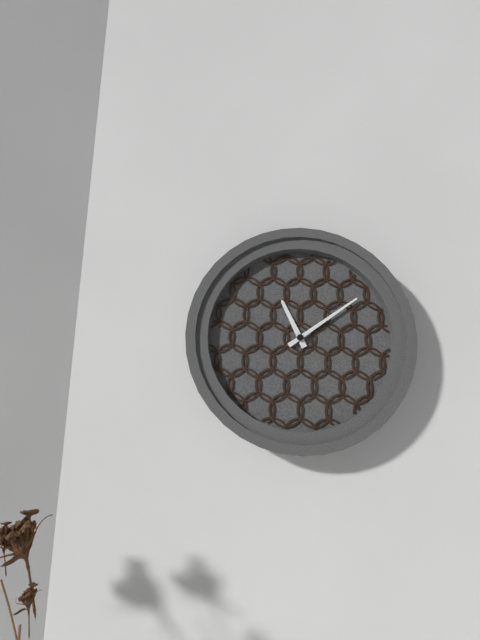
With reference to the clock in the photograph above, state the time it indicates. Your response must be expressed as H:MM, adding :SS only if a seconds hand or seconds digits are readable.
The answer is 11:09
